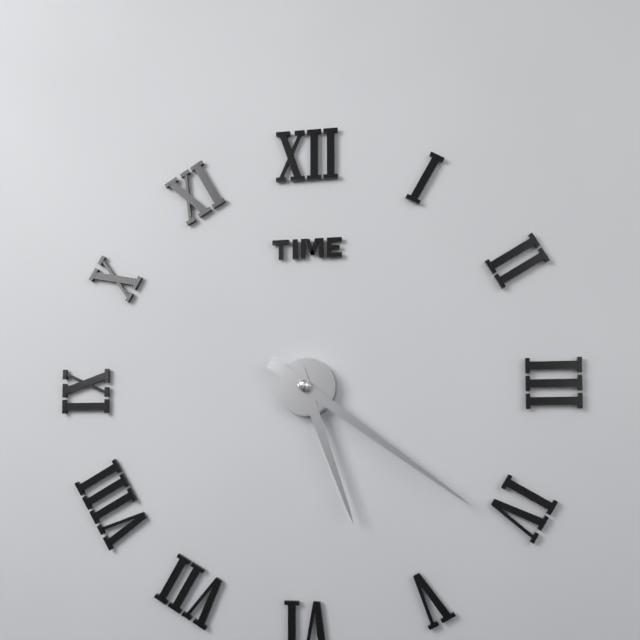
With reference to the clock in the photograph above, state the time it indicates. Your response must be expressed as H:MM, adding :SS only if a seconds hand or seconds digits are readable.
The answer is 5:21
